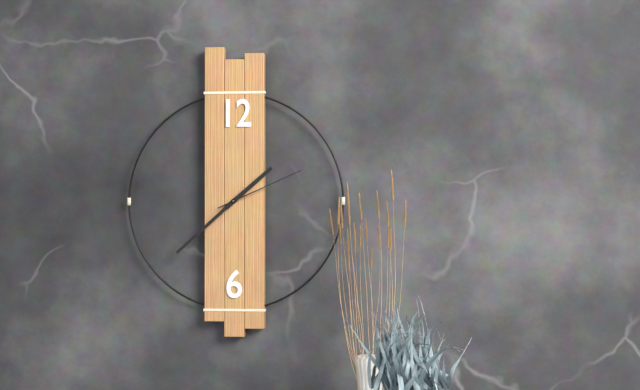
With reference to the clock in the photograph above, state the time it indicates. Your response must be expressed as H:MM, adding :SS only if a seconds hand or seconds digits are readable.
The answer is 1:38:11
